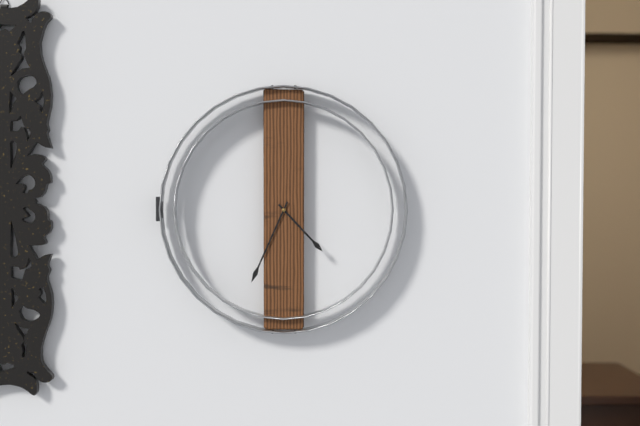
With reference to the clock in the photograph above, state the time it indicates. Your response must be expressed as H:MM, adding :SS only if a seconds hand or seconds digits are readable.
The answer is 4:34
